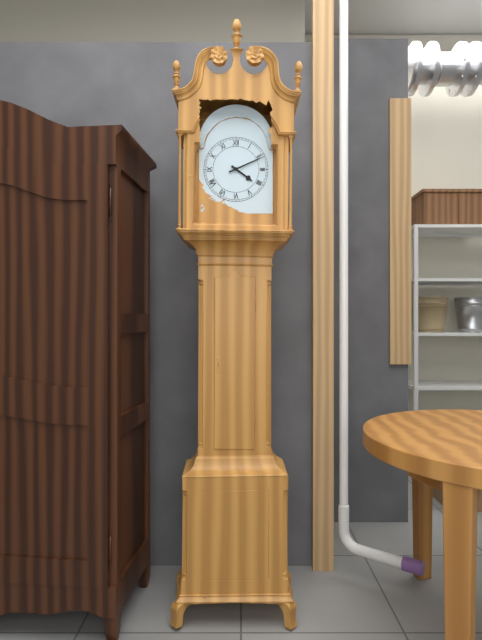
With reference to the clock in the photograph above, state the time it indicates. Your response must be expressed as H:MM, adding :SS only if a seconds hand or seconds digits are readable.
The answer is 4:11
